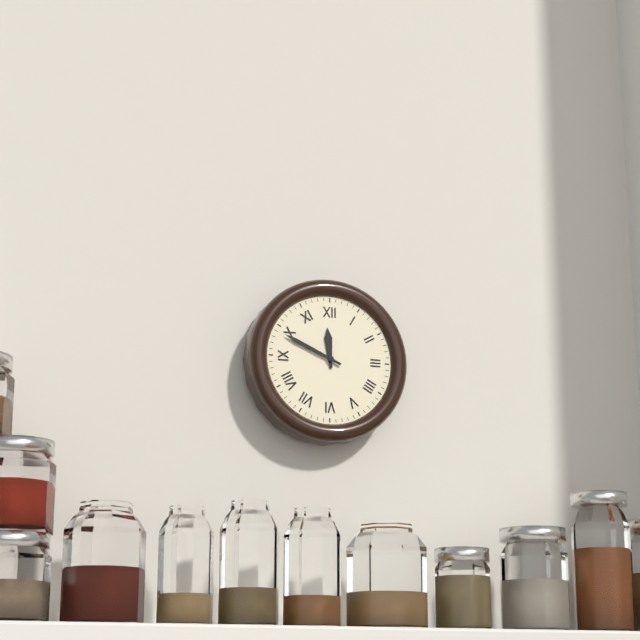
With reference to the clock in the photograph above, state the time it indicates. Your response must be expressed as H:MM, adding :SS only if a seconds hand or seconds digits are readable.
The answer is 11:49
